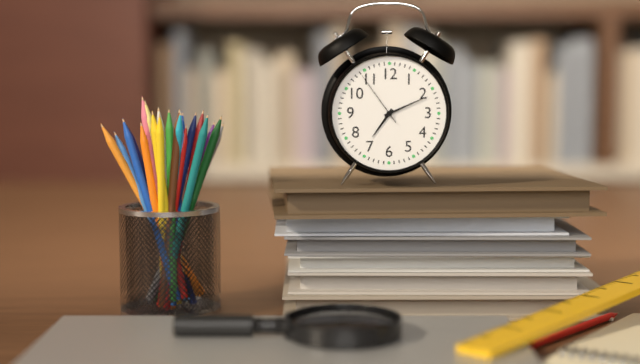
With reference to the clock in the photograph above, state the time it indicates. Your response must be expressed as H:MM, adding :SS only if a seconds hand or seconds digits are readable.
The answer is 7:11:54
